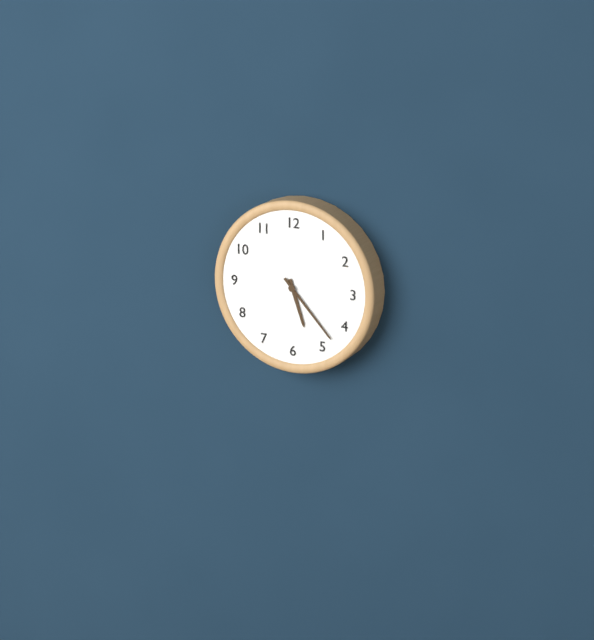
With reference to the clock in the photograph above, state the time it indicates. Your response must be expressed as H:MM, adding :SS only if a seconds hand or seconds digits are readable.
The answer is 5:23
